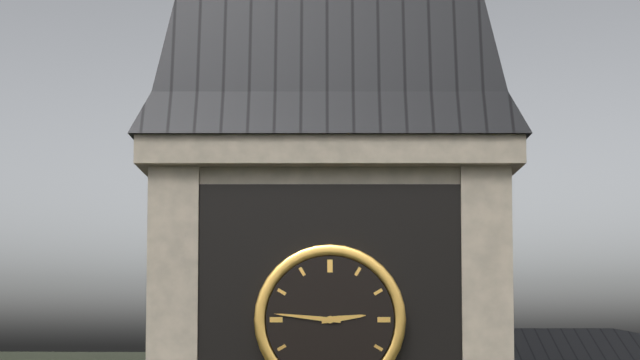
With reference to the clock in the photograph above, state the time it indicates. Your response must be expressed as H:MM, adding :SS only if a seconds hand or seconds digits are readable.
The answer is 2:46
